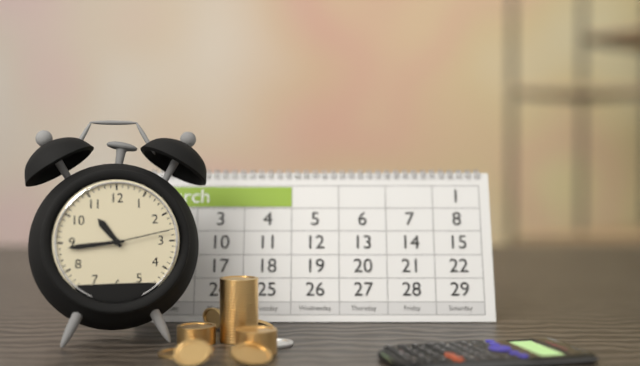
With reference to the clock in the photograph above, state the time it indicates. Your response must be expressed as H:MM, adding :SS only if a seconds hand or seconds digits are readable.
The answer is 10:44:13
